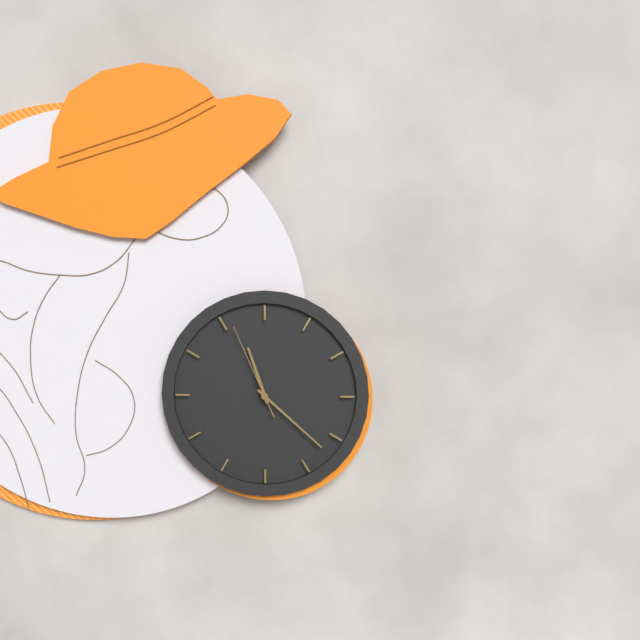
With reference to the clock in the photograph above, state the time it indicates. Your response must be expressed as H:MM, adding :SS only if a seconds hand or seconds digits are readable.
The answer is 11:22:56
